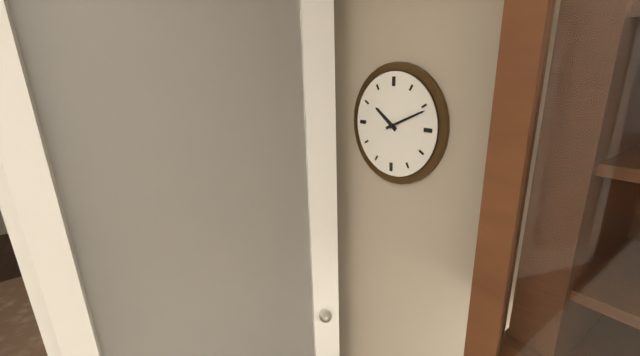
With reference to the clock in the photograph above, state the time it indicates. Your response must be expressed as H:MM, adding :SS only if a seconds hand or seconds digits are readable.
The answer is 10:11
